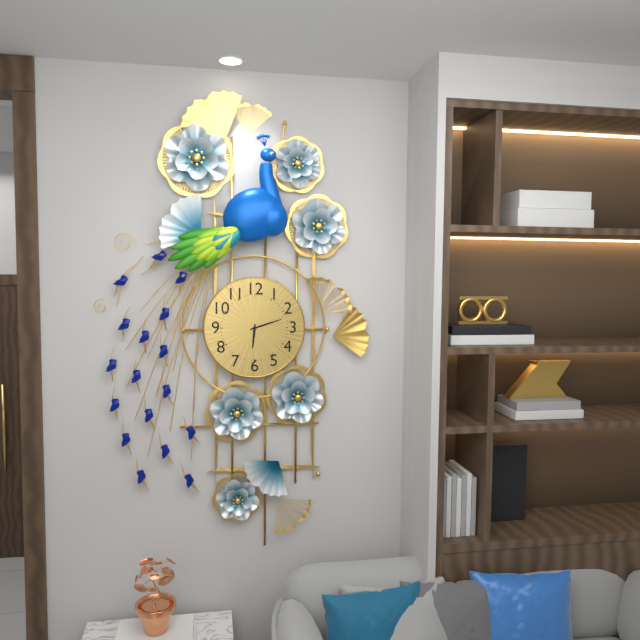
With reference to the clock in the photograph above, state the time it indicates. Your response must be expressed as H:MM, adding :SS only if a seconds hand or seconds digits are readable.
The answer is 6:12
